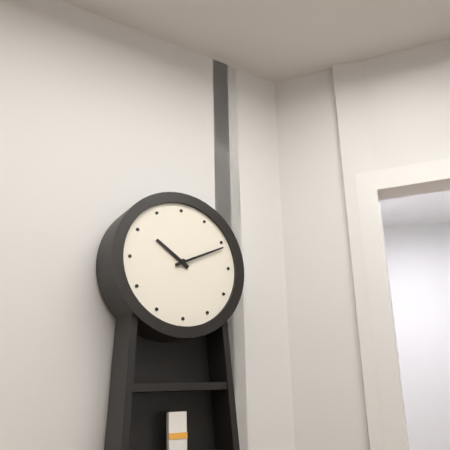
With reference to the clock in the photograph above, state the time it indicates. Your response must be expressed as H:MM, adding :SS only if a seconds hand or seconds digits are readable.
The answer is 10:11
